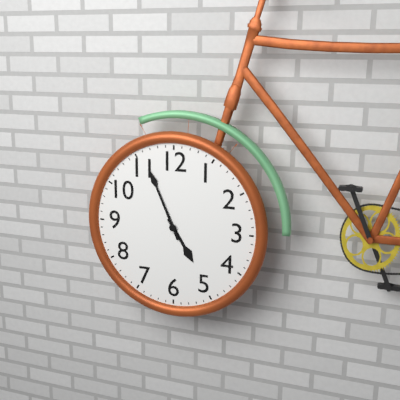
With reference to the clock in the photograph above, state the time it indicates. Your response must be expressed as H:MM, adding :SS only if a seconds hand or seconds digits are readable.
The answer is 4:56
